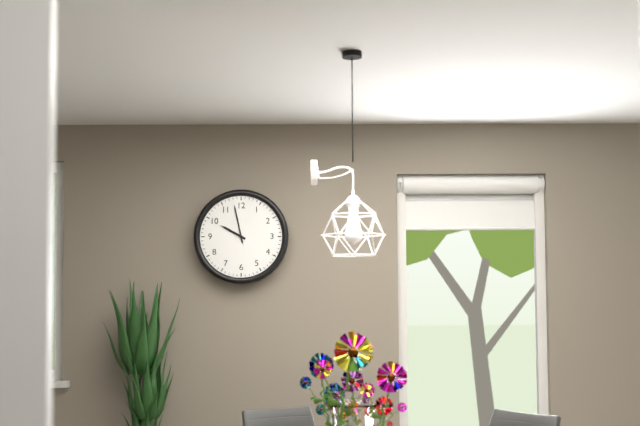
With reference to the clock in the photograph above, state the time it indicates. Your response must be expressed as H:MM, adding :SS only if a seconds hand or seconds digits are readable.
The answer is 9:58
